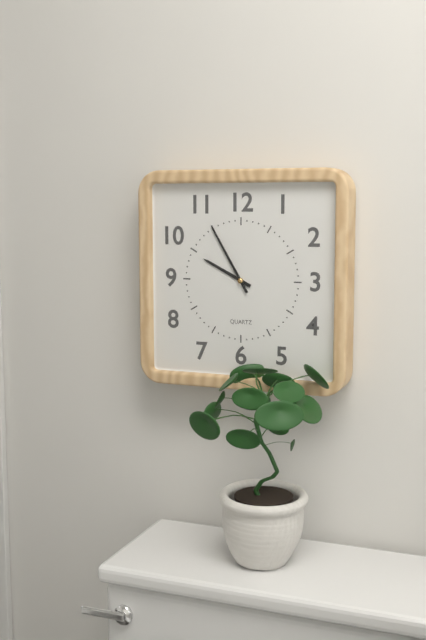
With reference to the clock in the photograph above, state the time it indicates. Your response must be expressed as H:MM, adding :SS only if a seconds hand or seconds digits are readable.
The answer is 9:55
